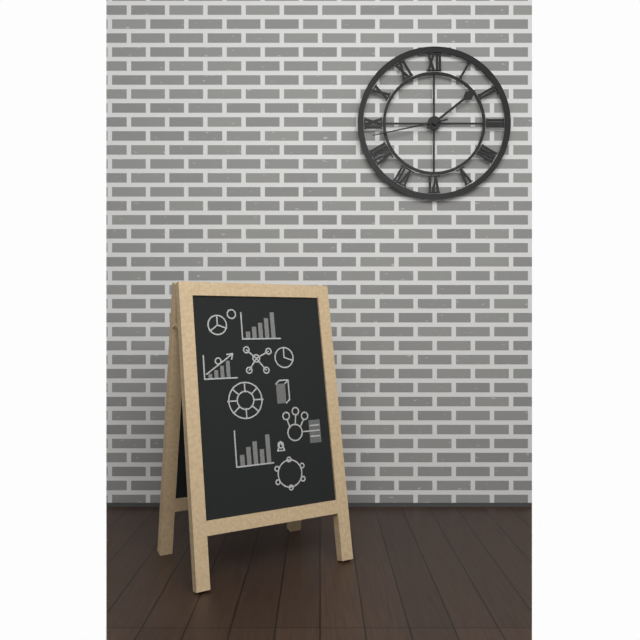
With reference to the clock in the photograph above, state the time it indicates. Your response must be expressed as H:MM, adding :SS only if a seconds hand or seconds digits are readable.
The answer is 1:43
